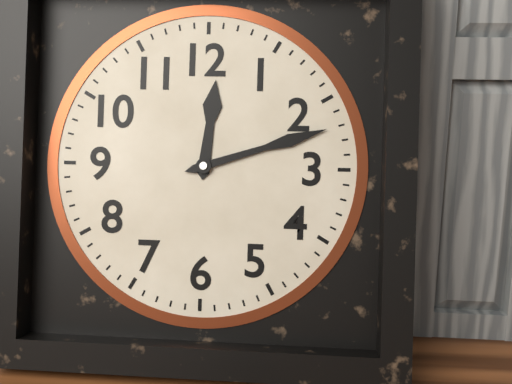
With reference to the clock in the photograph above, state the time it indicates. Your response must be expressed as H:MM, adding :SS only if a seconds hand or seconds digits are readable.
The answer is 12:12
